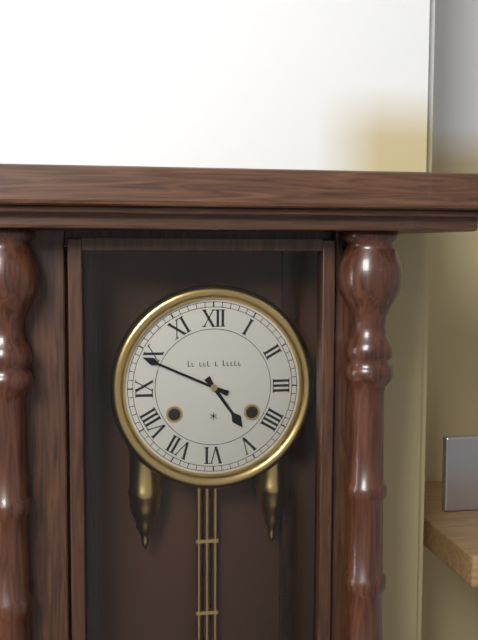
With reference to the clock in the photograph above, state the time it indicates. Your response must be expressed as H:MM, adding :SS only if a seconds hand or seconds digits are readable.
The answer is 4:49
